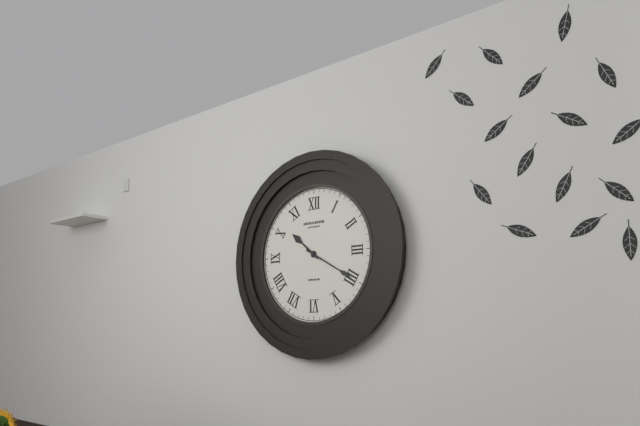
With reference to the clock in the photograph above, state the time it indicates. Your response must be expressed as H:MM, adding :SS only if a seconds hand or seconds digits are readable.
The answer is 10:20
